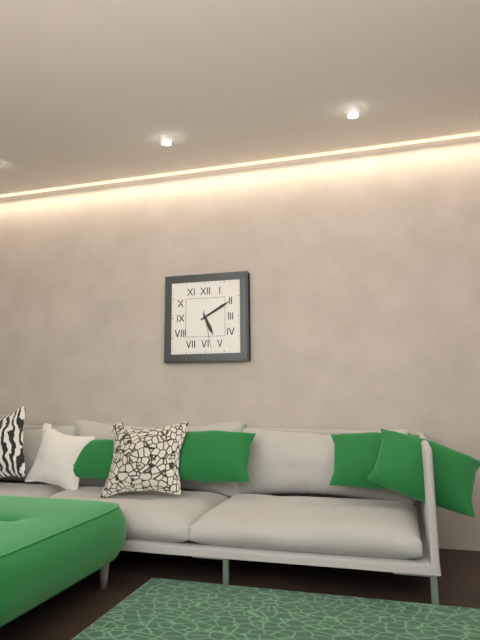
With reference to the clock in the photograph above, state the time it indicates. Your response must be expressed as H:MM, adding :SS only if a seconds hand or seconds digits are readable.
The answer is 5:10
